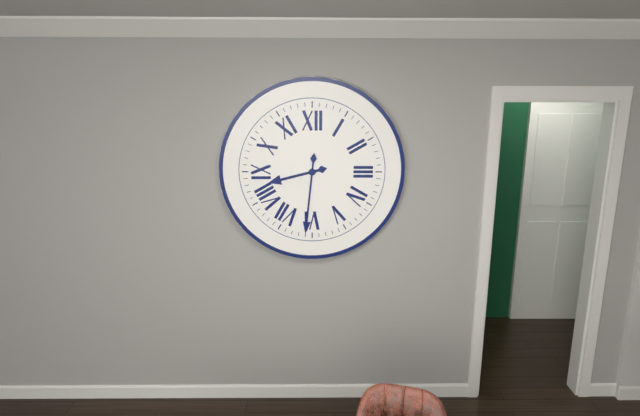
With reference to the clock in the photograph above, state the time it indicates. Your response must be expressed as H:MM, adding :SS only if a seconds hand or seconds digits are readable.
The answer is 8:31
